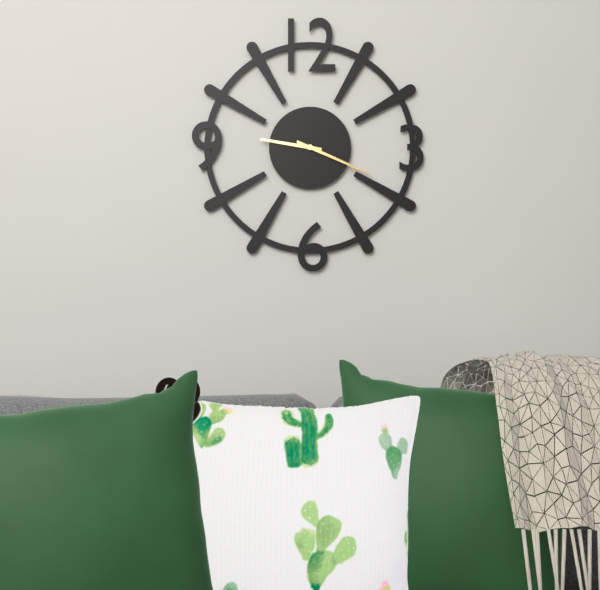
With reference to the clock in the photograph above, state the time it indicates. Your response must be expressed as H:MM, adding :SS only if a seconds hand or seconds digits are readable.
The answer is 9:19
